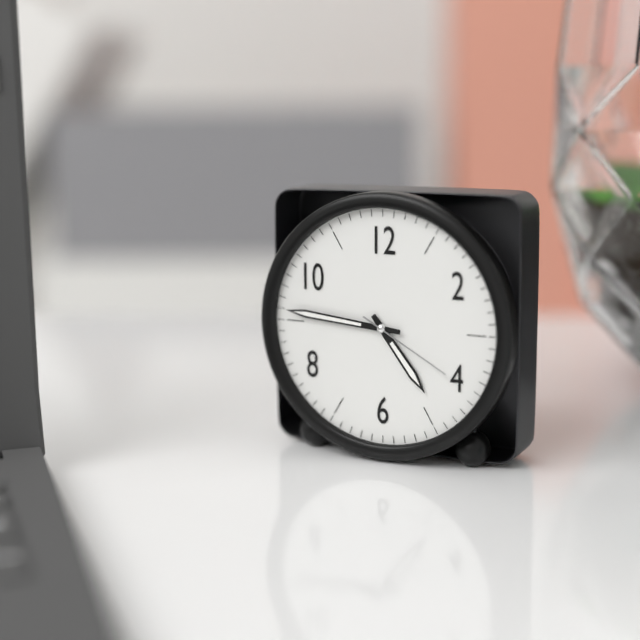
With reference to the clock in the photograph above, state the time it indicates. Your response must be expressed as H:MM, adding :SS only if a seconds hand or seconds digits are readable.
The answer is 4:46:20
